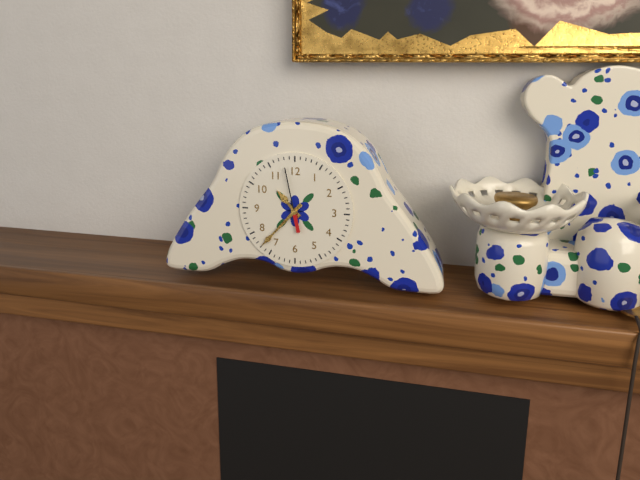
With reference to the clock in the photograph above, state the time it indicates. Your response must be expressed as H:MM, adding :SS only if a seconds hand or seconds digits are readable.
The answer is 10:37
